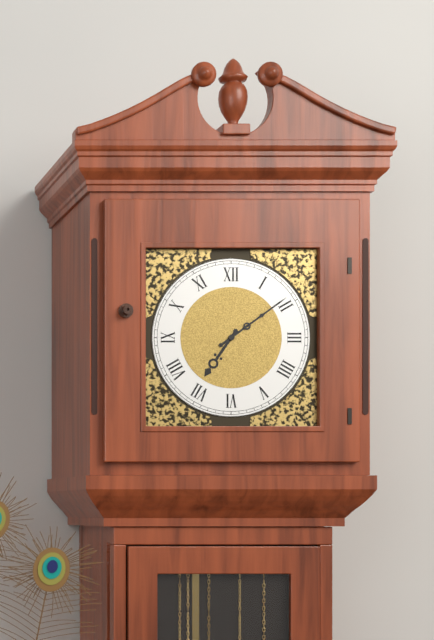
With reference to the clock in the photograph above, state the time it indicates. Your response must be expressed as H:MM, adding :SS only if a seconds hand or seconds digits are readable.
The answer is 7:09
